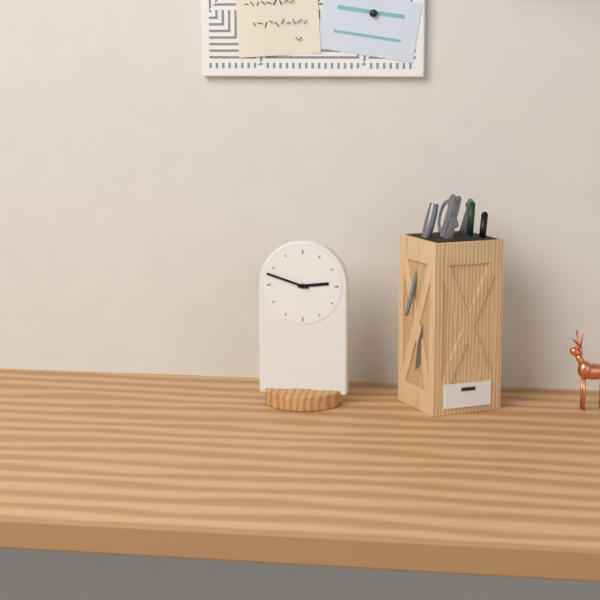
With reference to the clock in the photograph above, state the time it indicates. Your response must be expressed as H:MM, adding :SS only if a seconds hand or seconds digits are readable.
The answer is 2:48
